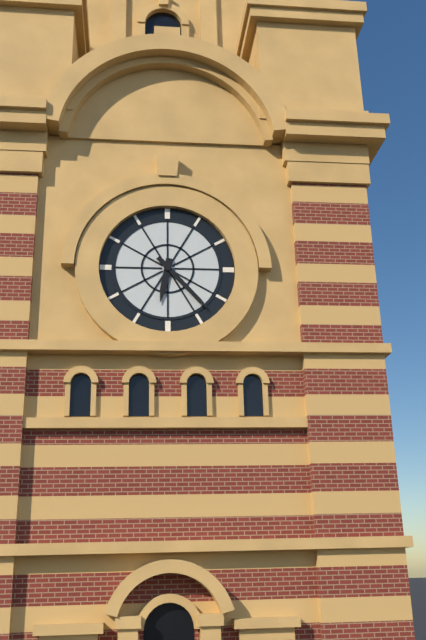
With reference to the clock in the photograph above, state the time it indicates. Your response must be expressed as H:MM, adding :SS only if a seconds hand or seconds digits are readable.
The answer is 6:23
